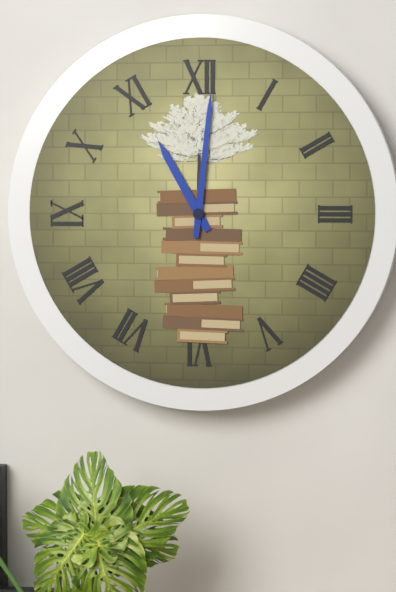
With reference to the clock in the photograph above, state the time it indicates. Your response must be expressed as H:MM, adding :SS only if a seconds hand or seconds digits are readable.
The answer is 11:01
